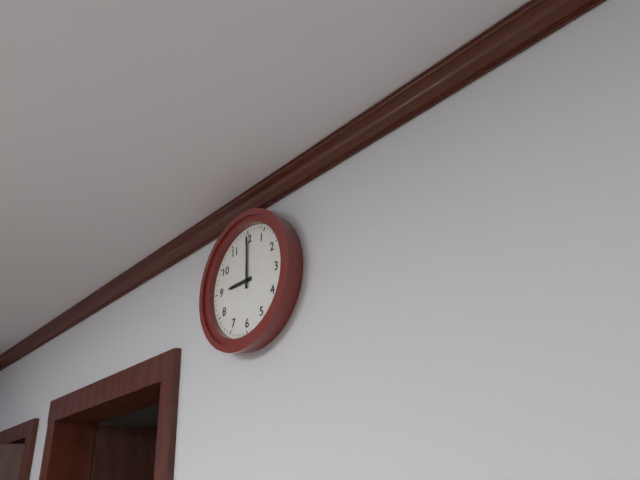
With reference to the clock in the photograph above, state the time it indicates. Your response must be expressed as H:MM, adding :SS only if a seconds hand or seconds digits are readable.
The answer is 9:00
